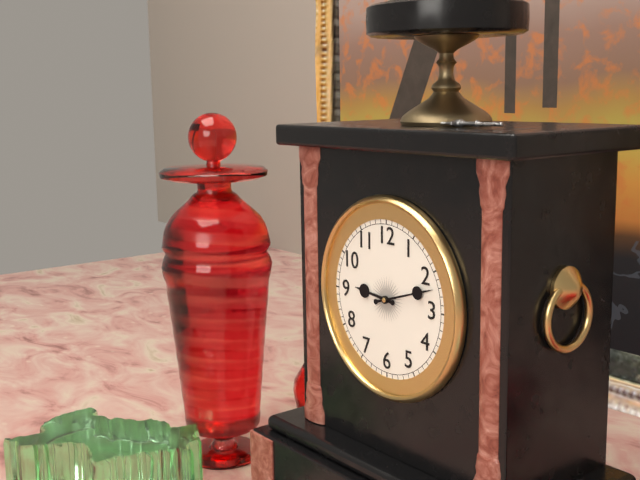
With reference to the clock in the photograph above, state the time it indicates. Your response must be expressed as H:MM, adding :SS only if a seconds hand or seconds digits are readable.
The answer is 9:12
